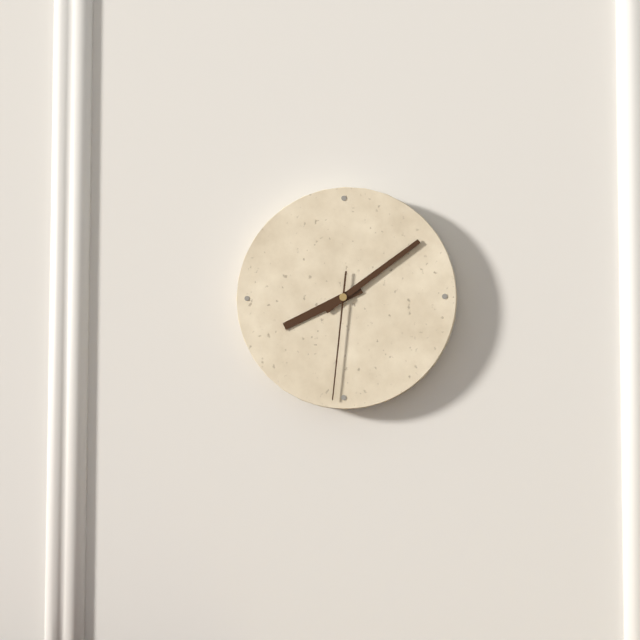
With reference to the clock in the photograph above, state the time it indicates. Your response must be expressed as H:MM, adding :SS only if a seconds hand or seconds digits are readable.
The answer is 8:09:31
